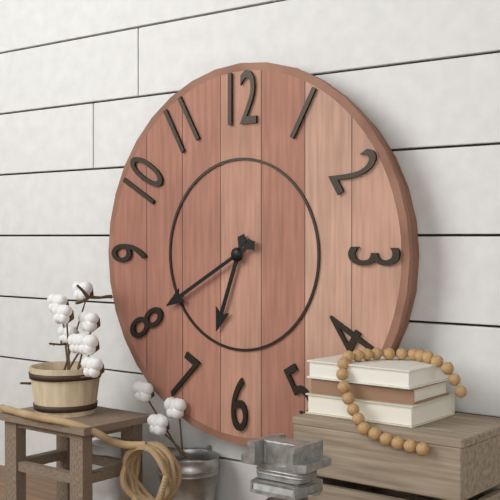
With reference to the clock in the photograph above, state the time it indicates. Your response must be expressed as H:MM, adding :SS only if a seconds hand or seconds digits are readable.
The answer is 6:40
